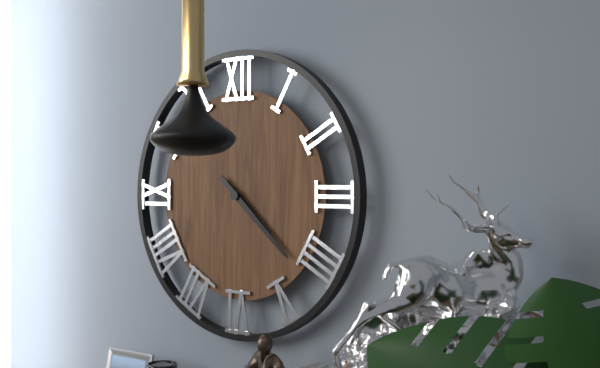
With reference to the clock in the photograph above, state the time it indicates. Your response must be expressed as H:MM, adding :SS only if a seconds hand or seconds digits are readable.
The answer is 4:22
